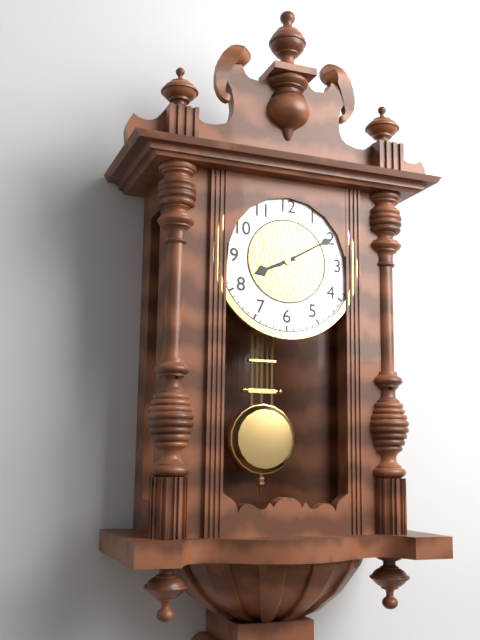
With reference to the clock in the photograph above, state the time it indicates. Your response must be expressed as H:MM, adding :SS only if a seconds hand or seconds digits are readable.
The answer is 8:10
